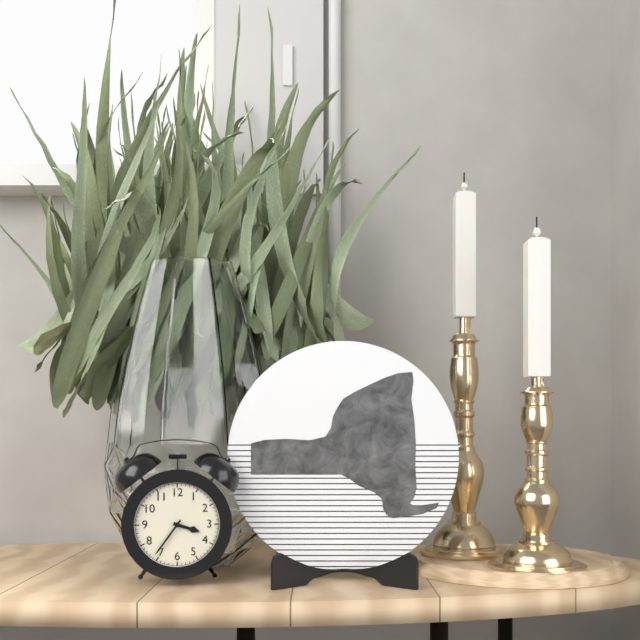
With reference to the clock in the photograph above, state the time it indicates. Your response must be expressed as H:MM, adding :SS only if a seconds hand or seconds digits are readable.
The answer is 3:36
